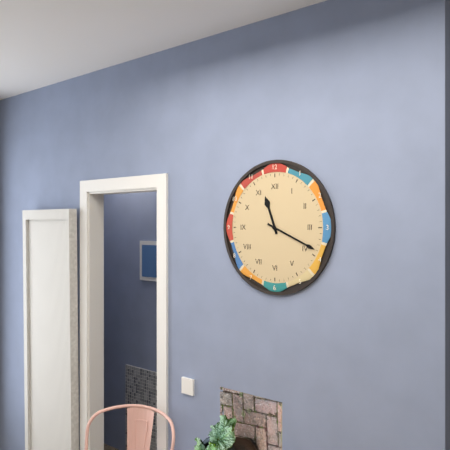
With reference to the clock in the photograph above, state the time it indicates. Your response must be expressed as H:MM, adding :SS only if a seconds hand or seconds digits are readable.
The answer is 11:19
